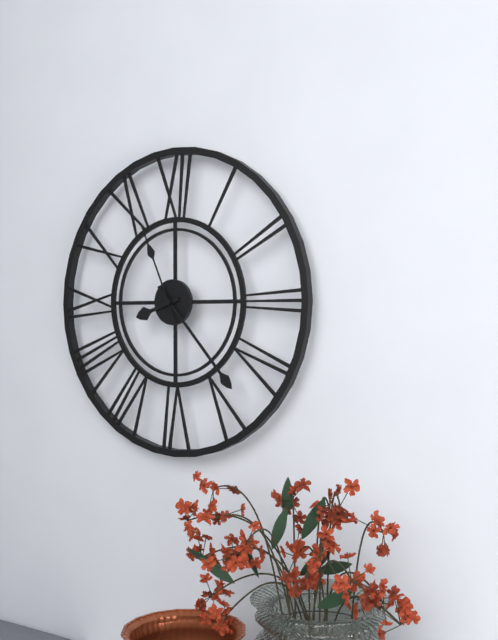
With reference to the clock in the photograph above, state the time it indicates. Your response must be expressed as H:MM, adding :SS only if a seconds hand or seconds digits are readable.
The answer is 8:23:56
